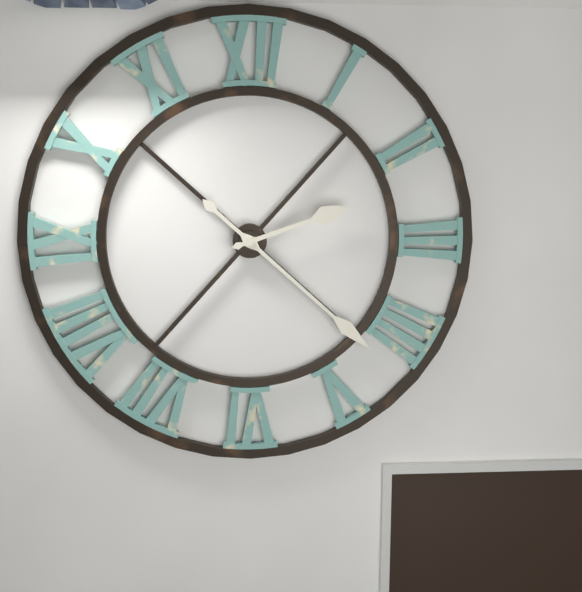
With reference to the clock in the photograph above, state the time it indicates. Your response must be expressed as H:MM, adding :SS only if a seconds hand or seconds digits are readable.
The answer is 2:22
